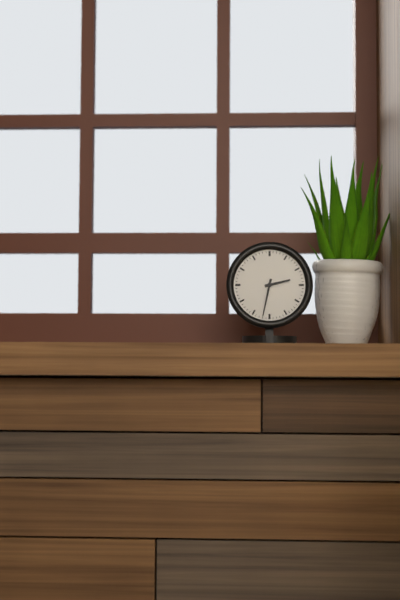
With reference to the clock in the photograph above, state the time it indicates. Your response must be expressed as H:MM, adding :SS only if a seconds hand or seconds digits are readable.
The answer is 2:32
